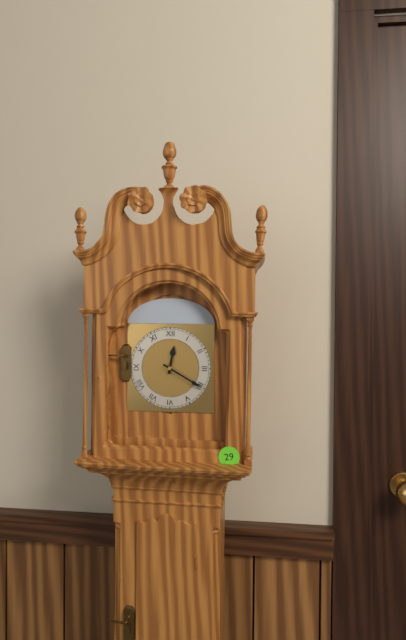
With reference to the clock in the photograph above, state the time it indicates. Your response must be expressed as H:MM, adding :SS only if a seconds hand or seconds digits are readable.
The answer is 12:20
